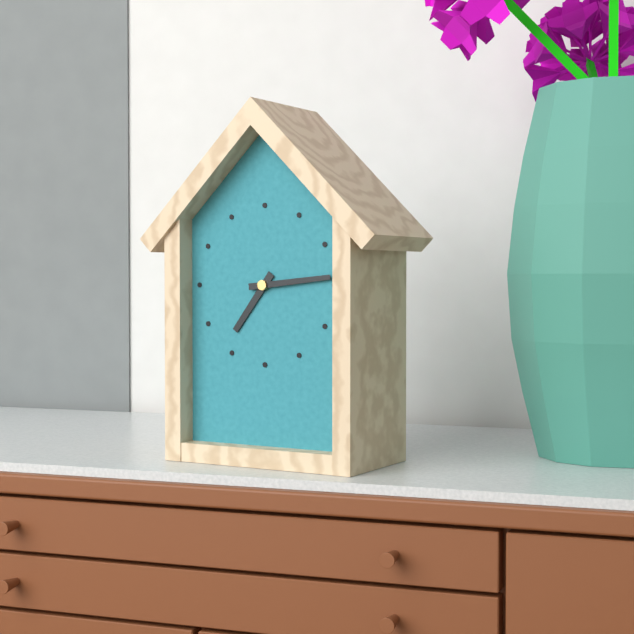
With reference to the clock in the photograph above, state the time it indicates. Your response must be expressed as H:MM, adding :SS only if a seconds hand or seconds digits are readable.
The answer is 7:14
